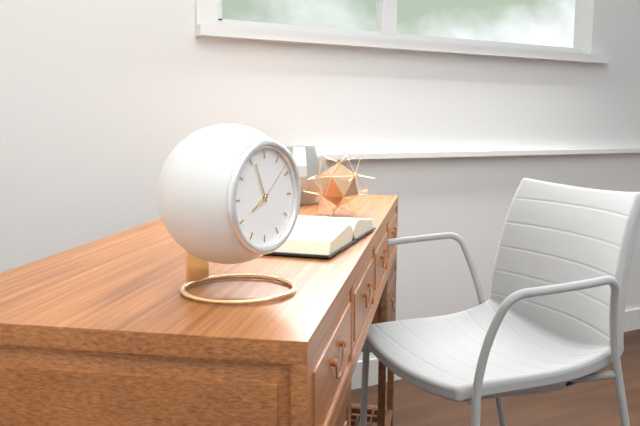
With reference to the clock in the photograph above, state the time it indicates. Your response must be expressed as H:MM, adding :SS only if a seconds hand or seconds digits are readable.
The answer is 7:56
